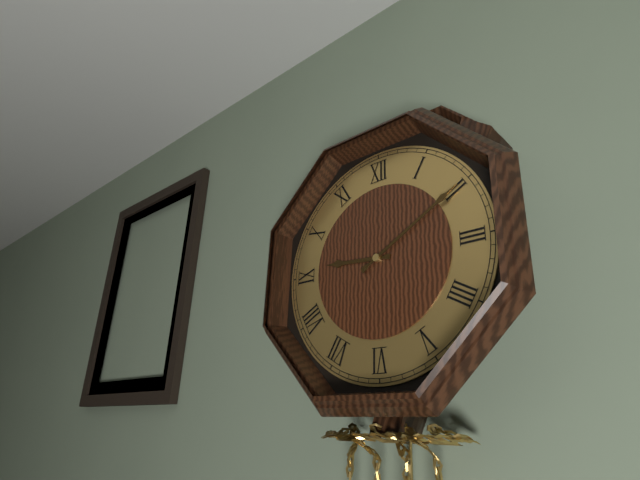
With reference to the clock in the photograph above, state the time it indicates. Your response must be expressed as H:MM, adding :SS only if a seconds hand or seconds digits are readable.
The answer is 9:10
